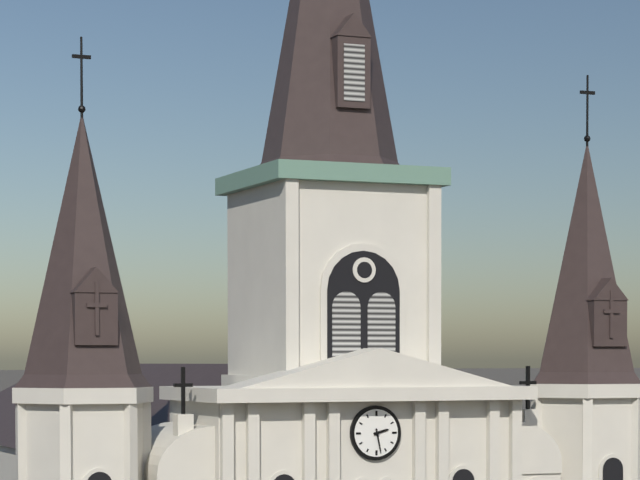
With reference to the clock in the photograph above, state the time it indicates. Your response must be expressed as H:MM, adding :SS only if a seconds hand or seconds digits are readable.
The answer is 2:28
